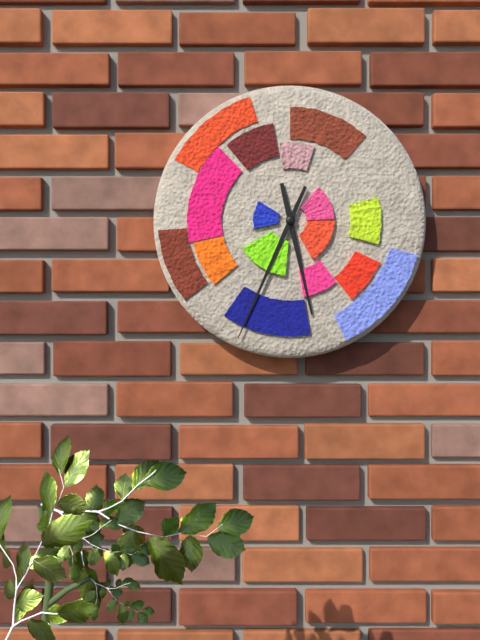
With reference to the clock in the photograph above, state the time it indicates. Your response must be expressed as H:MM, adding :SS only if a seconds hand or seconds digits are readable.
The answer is 5:34
